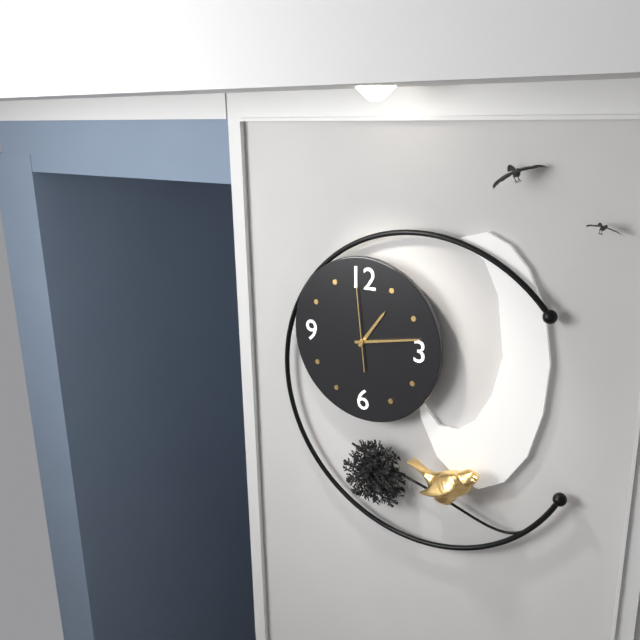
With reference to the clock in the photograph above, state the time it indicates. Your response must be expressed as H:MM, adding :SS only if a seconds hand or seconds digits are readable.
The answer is 1:13:59
